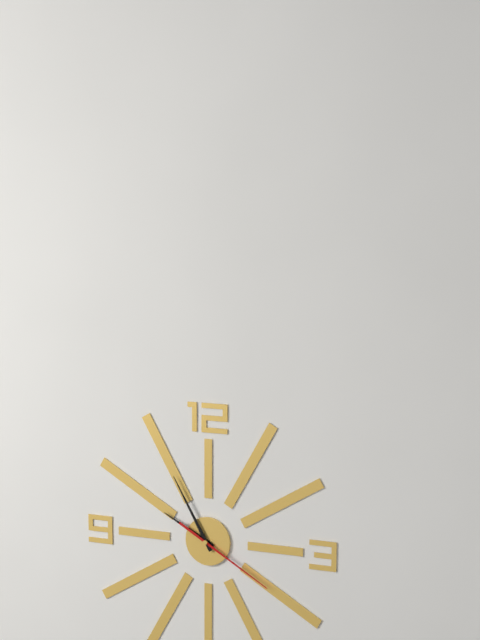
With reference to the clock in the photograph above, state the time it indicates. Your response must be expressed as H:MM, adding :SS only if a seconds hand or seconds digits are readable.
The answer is 9:55:20
